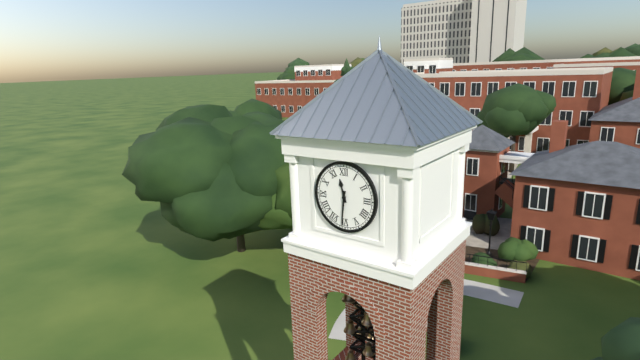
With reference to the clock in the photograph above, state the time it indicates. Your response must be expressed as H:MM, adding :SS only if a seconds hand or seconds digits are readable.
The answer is 11:31
